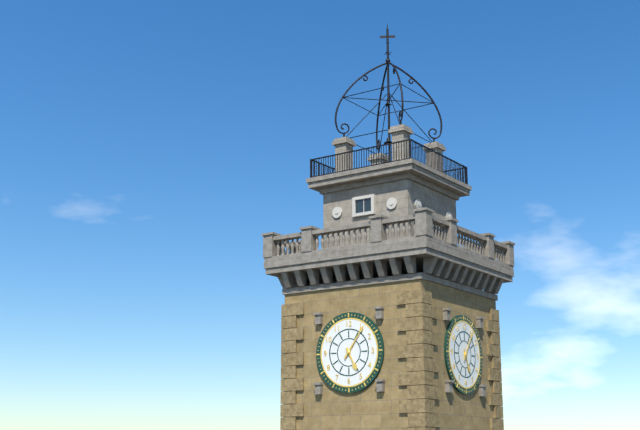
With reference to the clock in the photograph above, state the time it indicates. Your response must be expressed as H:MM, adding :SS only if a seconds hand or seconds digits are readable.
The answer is 5:06
